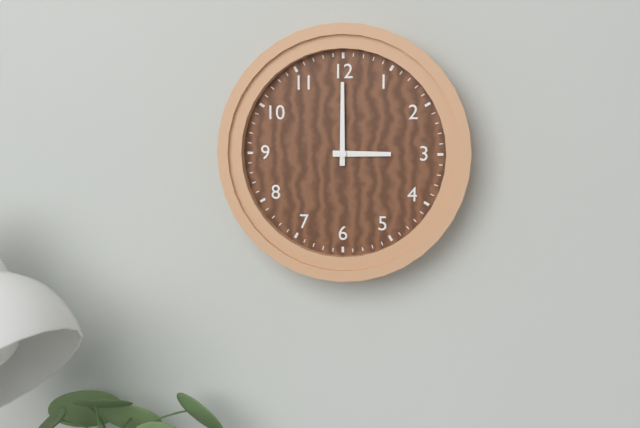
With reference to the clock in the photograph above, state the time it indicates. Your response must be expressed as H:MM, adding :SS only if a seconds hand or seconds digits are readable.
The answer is 3:00
